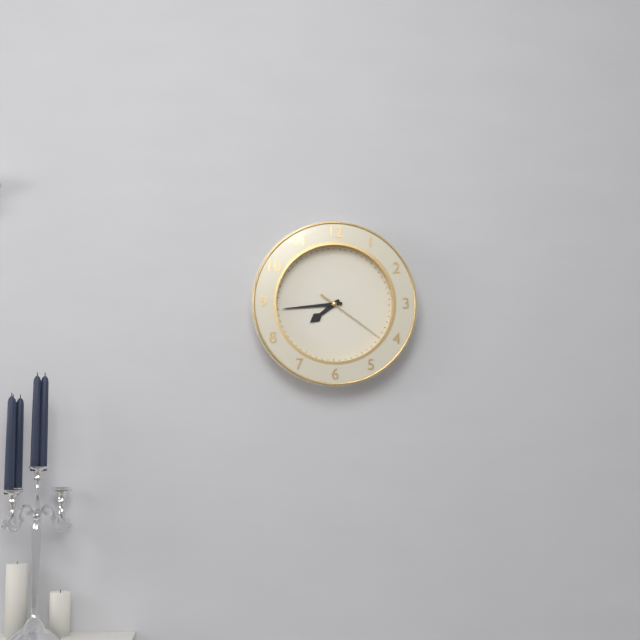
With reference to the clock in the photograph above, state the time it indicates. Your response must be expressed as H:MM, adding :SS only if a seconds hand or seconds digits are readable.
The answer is 7:44:21
